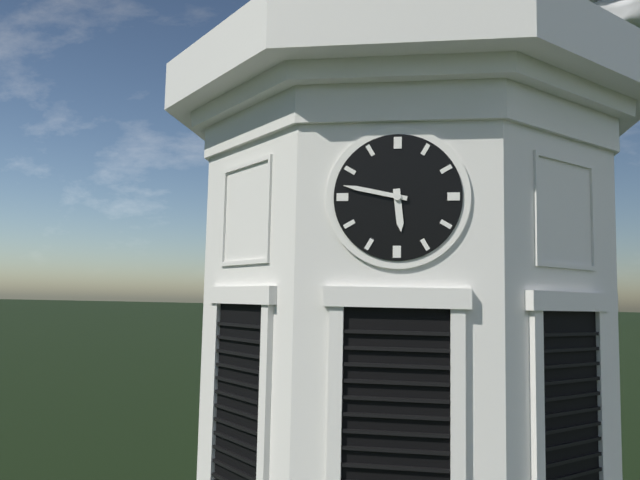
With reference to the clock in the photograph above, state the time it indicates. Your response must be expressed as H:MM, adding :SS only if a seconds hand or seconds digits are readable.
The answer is 5:47
